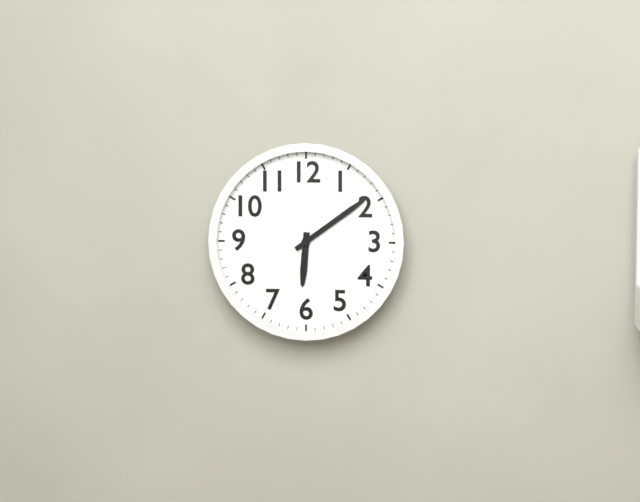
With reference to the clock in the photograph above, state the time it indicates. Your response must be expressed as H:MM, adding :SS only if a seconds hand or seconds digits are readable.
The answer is 6:09
